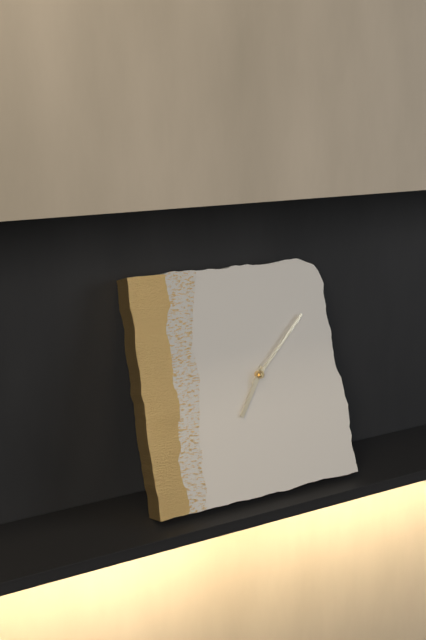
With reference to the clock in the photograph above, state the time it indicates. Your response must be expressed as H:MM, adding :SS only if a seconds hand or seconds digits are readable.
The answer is 7:08
